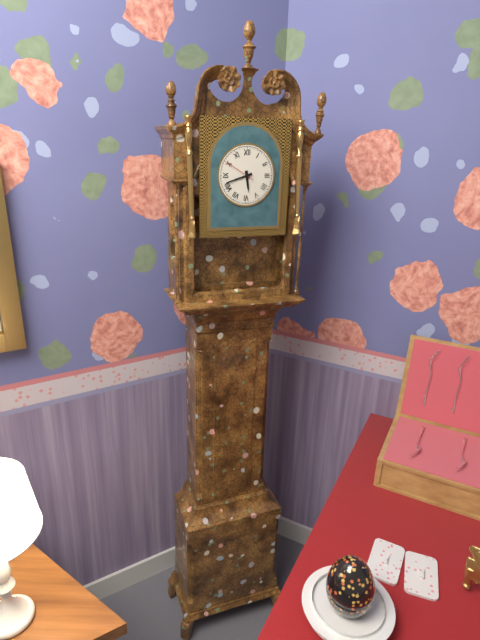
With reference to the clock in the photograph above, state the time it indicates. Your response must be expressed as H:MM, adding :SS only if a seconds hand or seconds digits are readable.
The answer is 5:42
